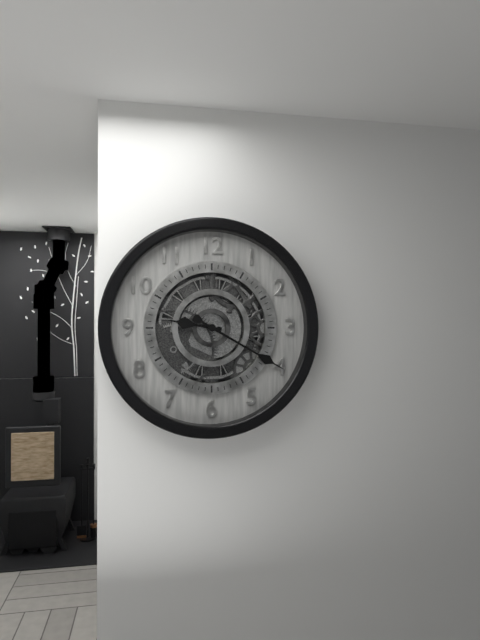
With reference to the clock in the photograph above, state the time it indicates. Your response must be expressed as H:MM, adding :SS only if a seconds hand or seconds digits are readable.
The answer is 9:20
